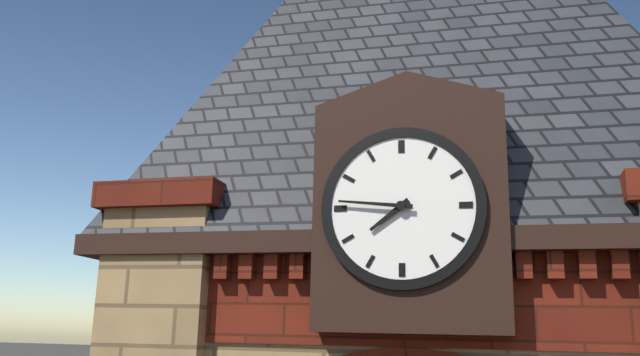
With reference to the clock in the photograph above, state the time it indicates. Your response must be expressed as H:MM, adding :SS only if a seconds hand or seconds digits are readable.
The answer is 7:46
